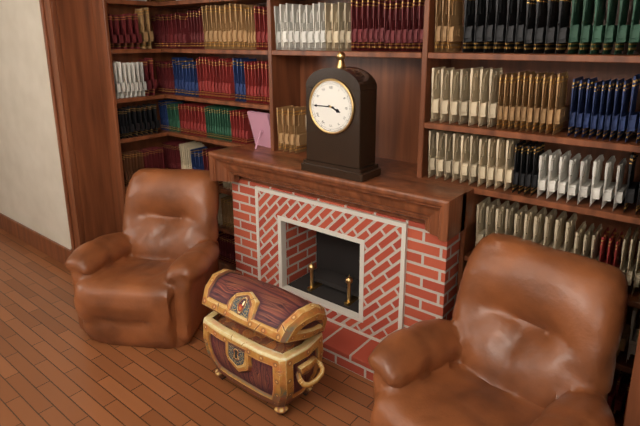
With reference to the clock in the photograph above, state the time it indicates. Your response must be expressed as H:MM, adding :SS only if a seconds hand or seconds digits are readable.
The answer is 3:45
